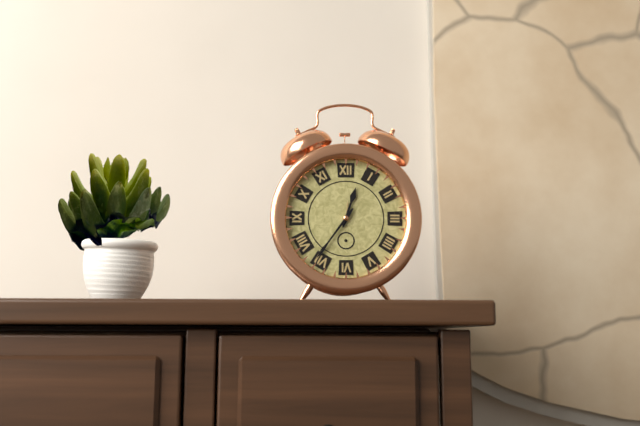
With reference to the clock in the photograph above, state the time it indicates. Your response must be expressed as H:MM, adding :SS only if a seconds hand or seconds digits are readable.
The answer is 12:36
